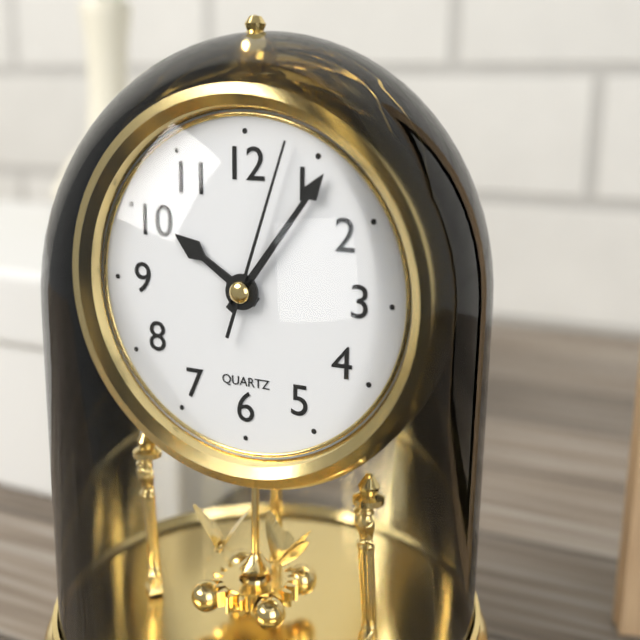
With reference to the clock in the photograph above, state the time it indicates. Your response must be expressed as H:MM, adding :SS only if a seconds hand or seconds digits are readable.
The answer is 10:06:03
